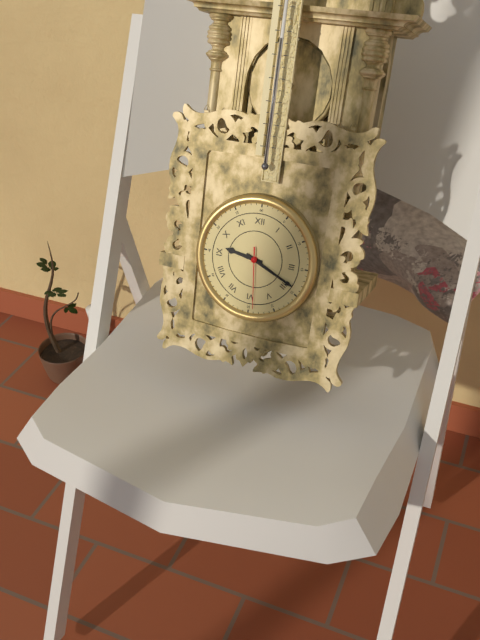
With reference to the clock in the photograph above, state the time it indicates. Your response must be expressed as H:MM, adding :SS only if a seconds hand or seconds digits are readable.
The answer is 9:19:29
